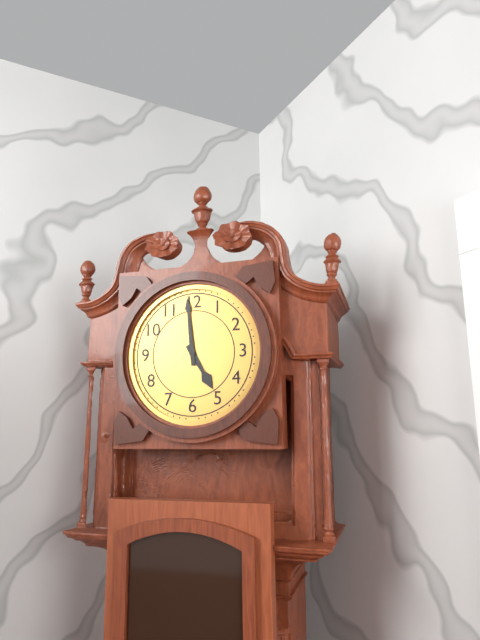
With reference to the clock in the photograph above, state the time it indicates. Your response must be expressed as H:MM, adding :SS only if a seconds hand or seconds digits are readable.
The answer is 4:59
